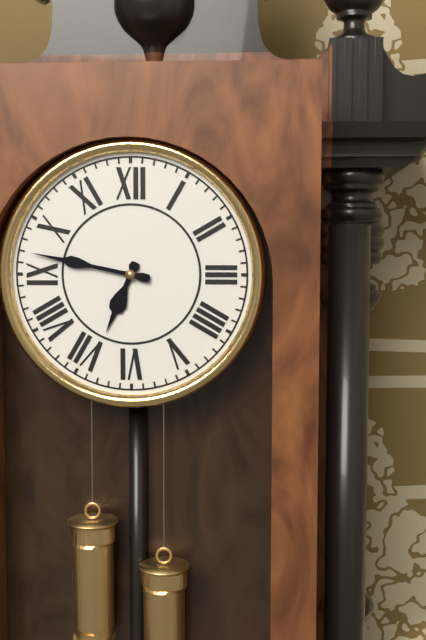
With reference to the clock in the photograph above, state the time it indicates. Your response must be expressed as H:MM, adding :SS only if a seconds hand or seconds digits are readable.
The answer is 6:47
